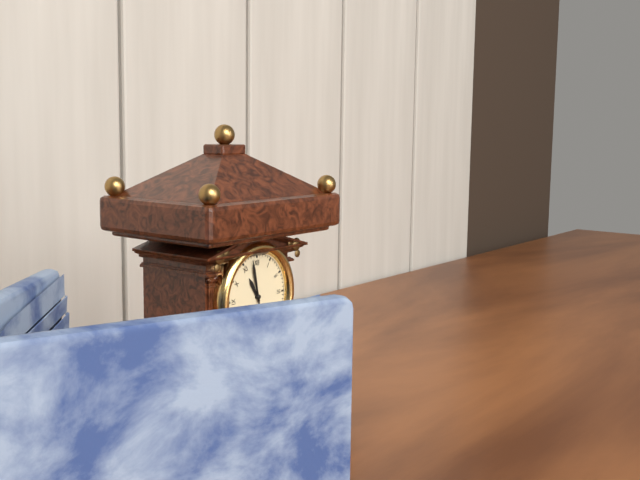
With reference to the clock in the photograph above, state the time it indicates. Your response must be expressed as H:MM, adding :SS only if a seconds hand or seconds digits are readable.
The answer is 10:58
